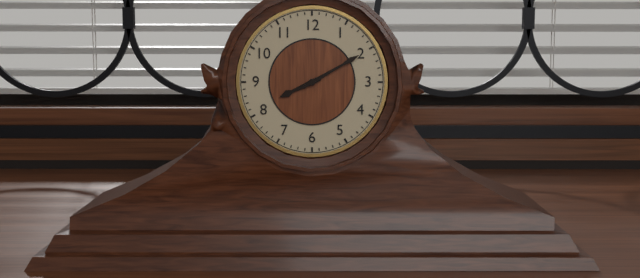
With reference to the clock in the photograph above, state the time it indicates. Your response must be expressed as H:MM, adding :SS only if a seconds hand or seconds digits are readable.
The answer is 8:10
